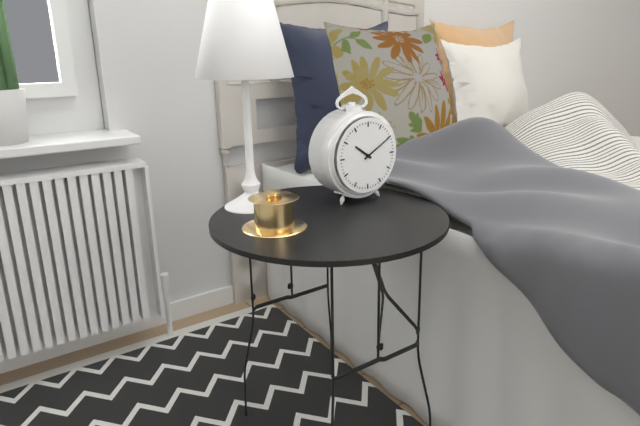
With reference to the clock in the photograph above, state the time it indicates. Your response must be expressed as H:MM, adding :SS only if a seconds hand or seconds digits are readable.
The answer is 10:10
